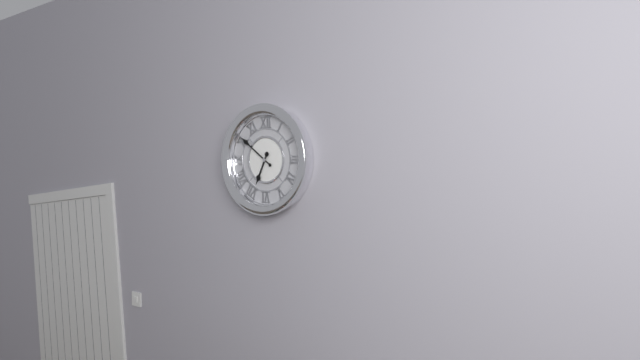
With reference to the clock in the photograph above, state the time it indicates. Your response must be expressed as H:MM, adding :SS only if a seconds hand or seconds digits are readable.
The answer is 6:51
